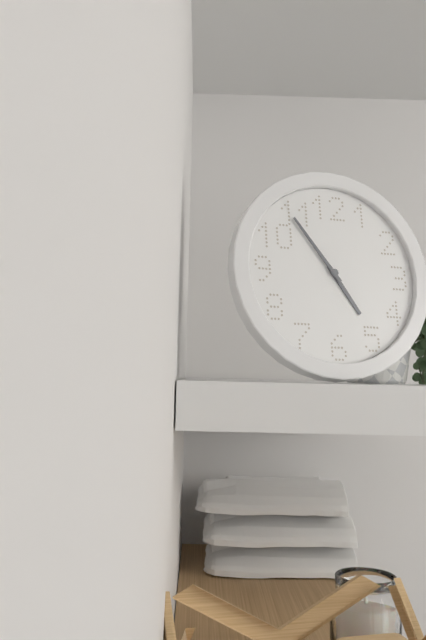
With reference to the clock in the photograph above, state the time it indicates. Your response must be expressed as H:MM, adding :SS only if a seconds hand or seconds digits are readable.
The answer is 4:54
